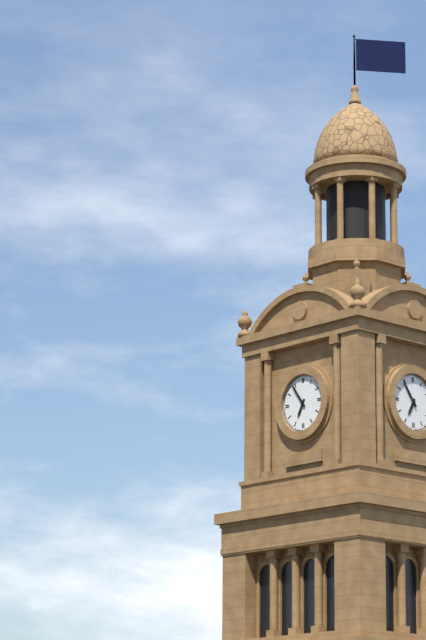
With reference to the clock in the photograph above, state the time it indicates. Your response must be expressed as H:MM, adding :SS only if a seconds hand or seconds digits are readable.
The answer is 6:54
